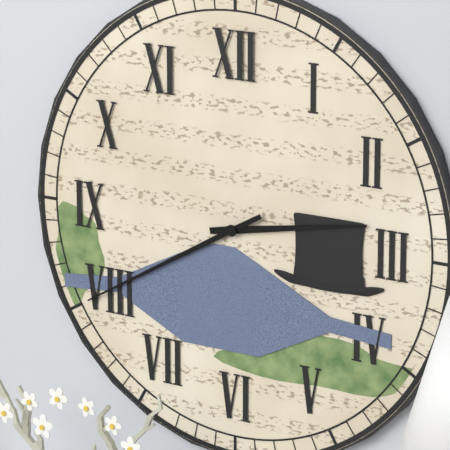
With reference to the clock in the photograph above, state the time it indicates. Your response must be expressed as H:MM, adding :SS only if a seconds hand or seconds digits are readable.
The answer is 2:40
